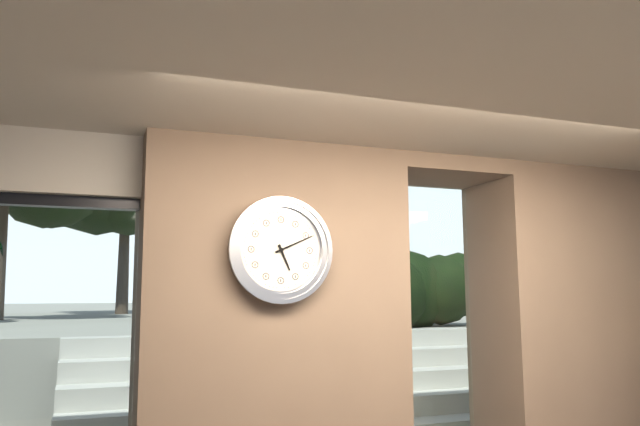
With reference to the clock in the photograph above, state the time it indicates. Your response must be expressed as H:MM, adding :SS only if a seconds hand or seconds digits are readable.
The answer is 5:11
